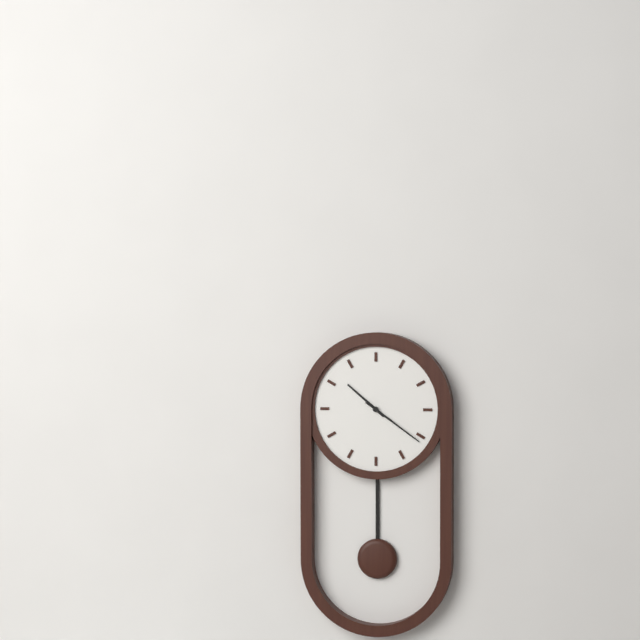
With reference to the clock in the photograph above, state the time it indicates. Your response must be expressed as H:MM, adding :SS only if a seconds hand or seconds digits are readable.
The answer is 10:21
